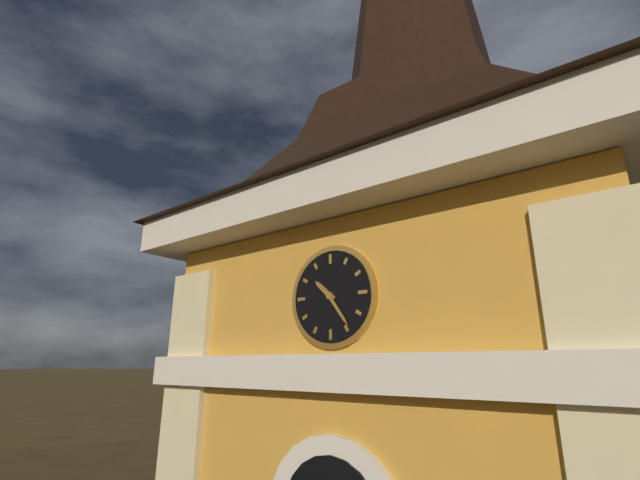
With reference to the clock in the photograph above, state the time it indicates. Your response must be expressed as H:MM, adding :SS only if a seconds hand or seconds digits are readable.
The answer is 10:24
